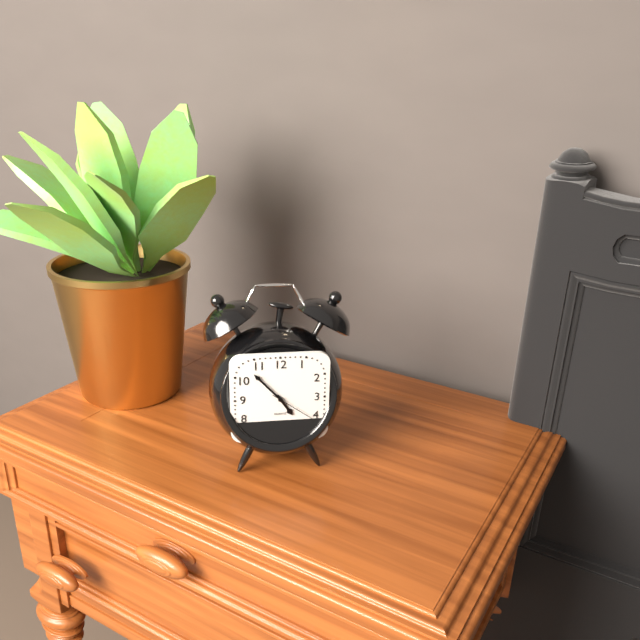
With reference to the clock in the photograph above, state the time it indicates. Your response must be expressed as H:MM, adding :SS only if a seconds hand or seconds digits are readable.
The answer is 4:53
